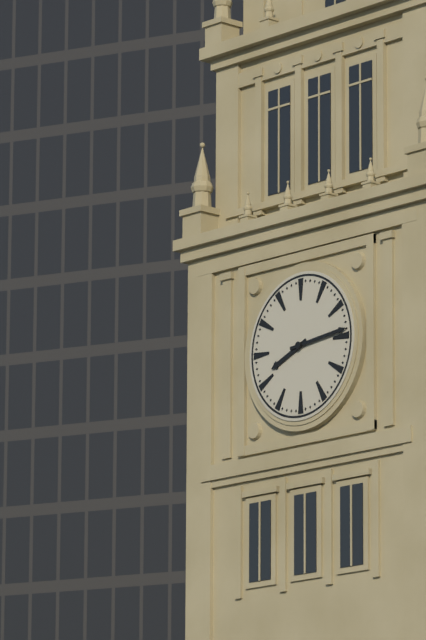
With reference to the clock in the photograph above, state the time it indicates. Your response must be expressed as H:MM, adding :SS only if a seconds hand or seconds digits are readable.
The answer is 8:14
